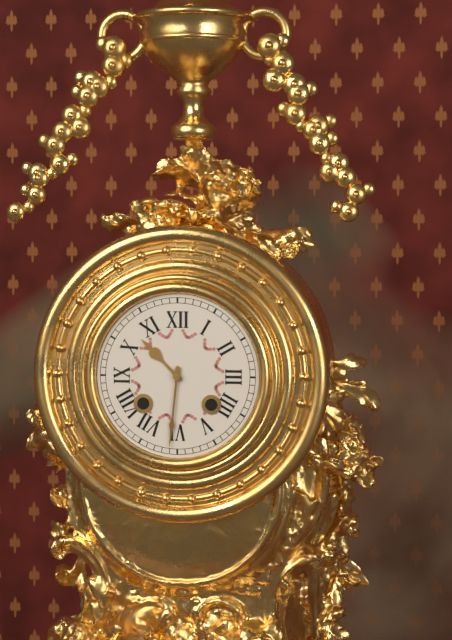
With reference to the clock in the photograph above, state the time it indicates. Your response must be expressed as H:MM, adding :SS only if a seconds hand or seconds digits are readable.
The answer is 10:31
